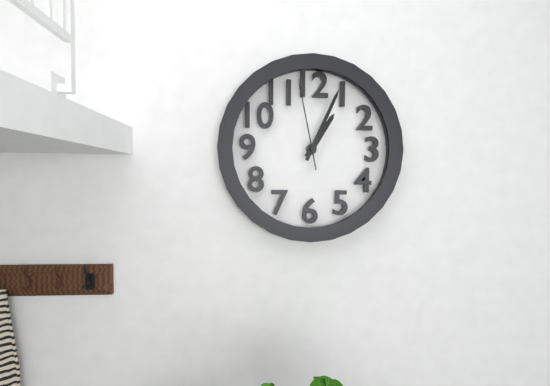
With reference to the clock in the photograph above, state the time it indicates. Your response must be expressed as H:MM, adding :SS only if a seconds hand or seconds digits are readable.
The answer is 1:04:58
